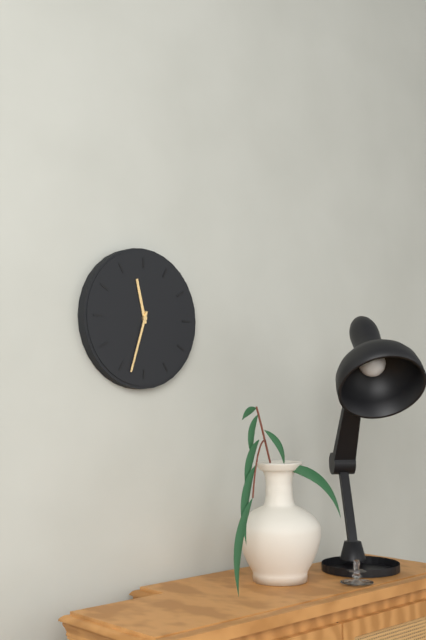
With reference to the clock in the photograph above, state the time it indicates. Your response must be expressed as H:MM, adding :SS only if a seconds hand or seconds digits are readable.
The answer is 11:33
